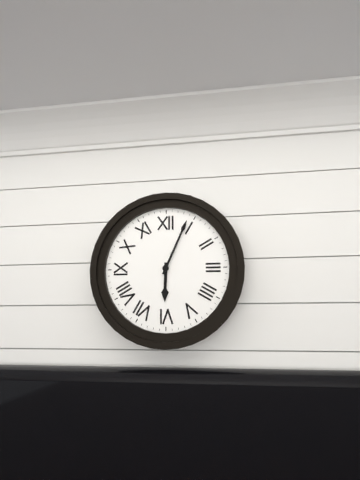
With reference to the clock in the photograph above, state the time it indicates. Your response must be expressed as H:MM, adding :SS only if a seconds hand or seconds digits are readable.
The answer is 6:04
